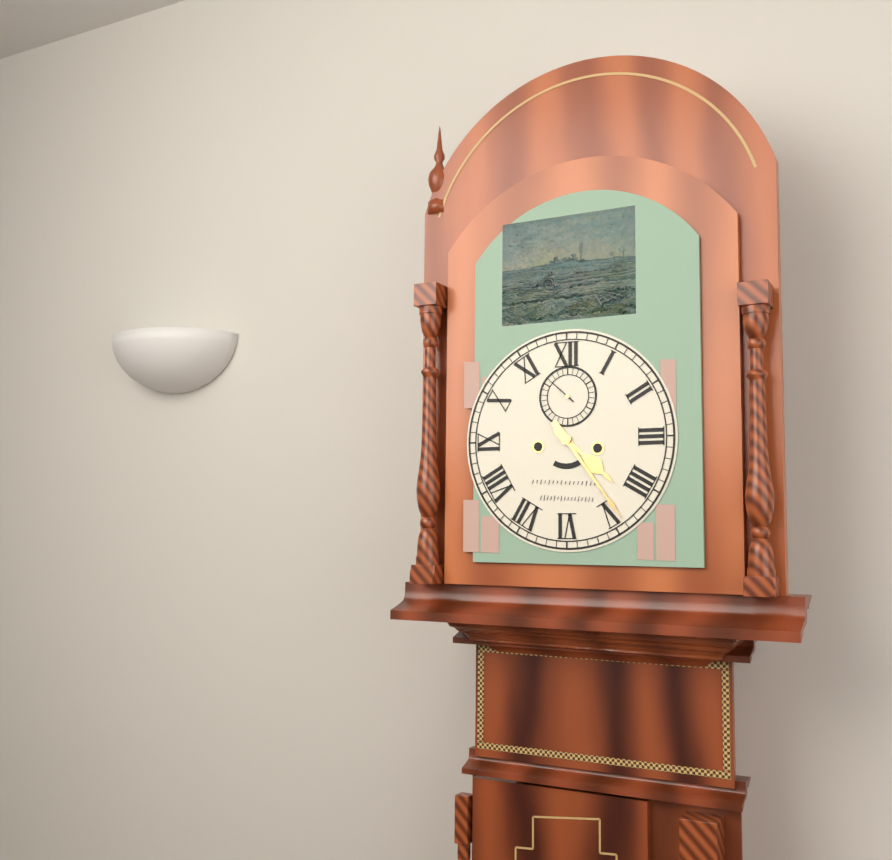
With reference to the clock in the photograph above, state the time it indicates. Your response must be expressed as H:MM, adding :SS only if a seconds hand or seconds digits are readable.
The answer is 4:24
